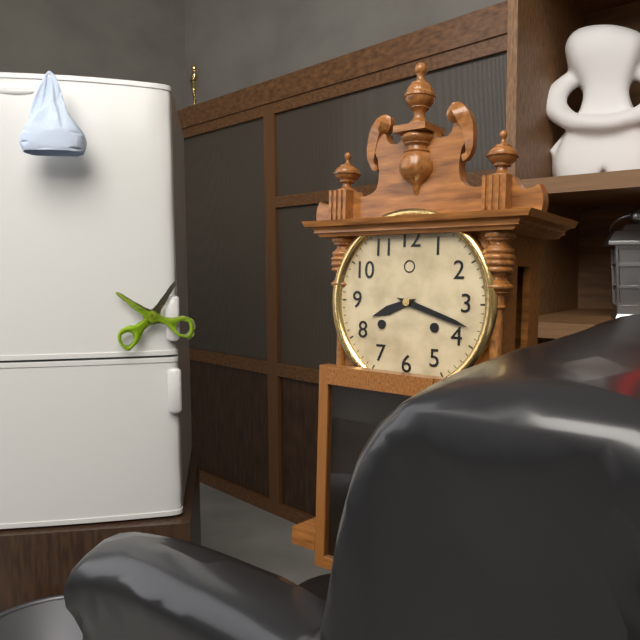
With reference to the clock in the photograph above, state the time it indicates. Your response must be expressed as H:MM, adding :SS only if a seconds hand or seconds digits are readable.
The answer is 8:18
